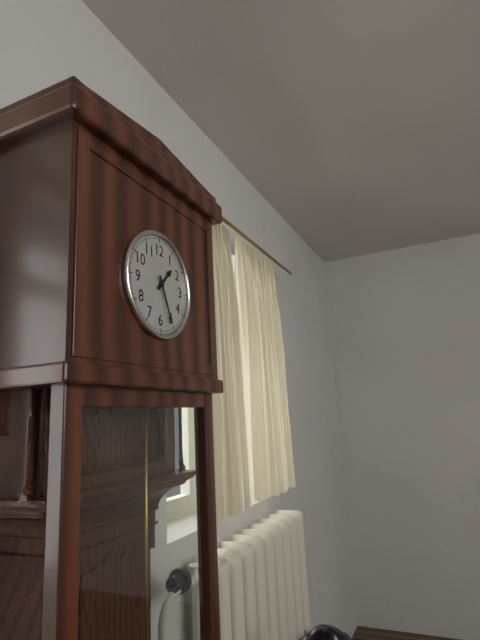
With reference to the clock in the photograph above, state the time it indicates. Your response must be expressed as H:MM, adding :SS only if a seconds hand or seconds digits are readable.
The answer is 1:26
